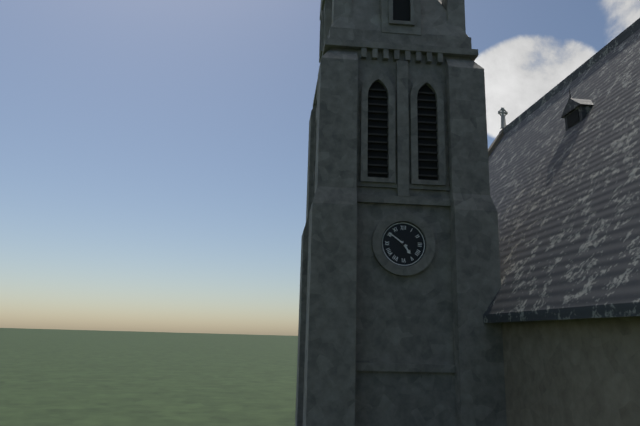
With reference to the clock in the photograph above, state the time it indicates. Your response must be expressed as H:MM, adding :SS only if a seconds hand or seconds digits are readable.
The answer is 4:51
